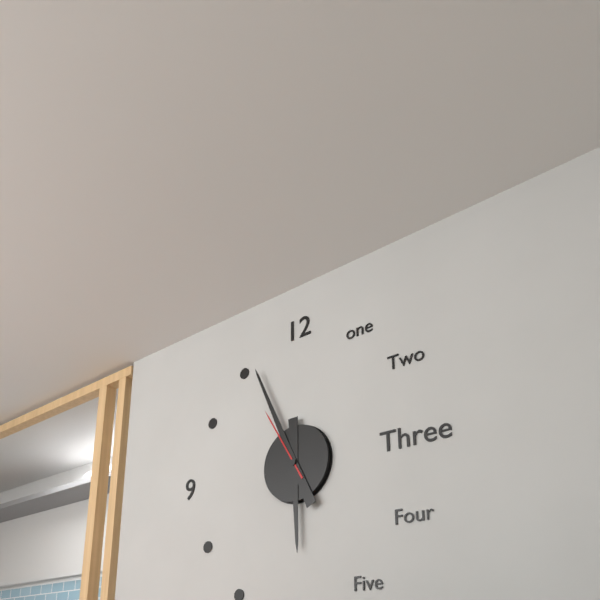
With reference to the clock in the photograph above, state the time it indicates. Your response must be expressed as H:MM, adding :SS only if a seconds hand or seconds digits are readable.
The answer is 5:56:55
